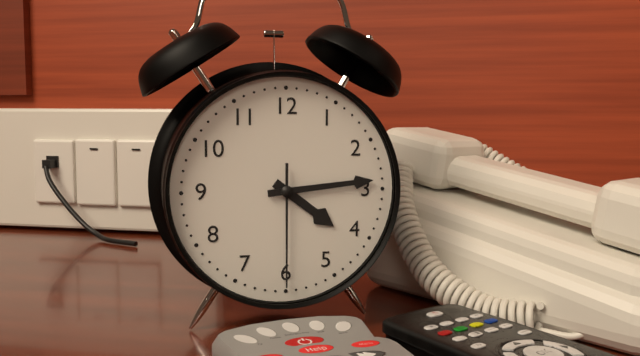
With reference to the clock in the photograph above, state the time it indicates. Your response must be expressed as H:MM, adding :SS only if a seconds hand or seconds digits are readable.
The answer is 4:14:30
